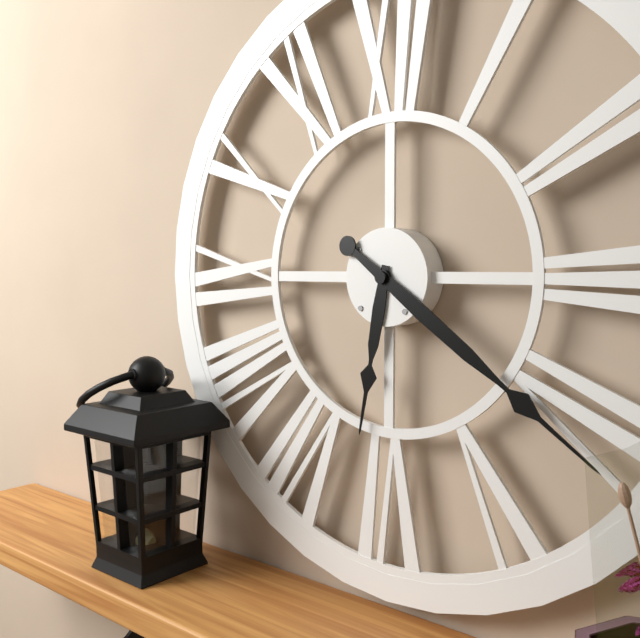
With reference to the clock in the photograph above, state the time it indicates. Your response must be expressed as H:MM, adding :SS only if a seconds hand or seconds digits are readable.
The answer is 6:21
